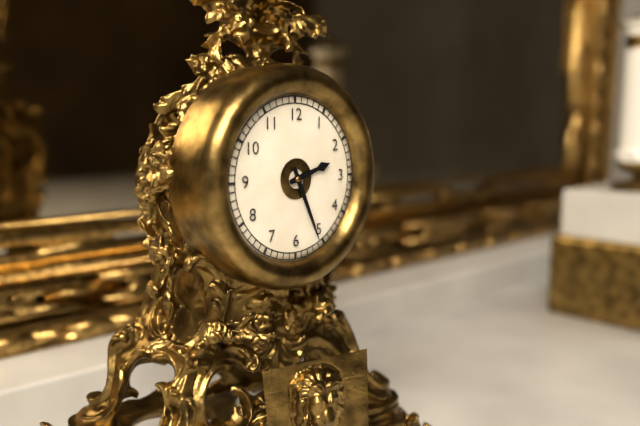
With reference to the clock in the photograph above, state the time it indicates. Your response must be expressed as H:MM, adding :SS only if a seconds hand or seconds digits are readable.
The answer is 2:26
